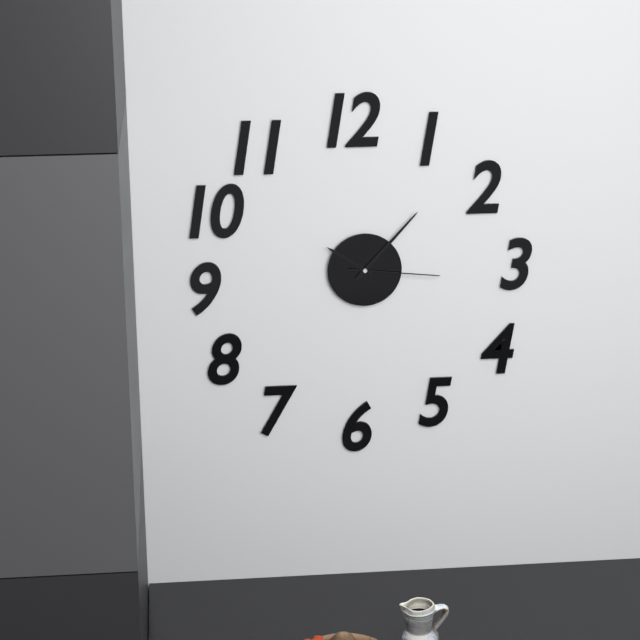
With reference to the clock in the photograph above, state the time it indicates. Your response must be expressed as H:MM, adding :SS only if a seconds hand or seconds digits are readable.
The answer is 10:07:16
